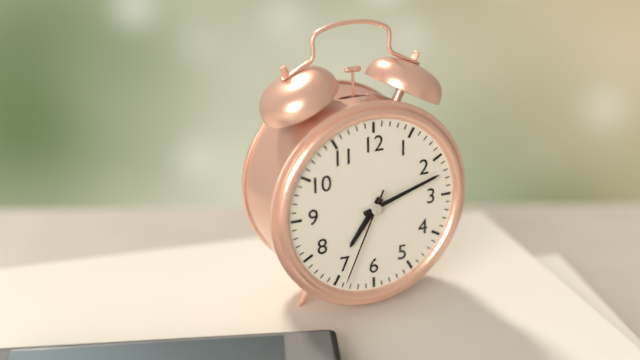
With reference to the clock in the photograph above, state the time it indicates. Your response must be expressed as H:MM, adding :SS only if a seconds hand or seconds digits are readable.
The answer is 7:12:34
